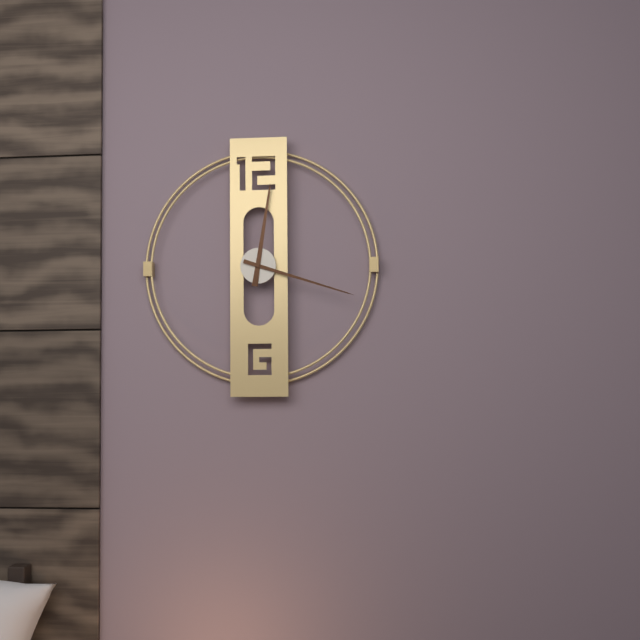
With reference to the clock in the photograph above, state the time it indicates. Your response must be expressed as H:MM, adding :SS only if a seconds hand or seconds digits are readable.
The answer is 12:18
